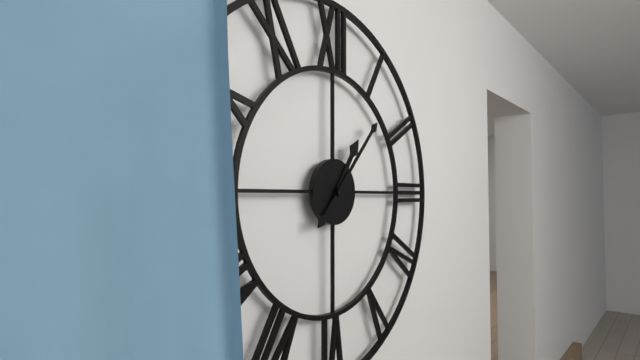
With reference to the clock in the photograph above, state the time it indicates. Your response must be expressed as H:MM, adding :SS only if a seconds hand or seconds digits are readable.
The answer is 1:07
